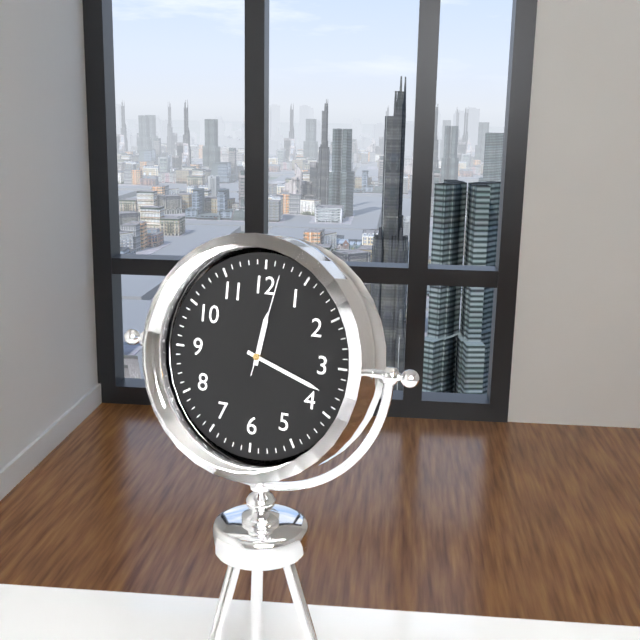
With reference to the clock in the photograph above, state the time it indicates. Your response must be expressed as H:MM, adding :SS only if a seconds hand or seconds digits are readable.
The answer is 12:18:02
